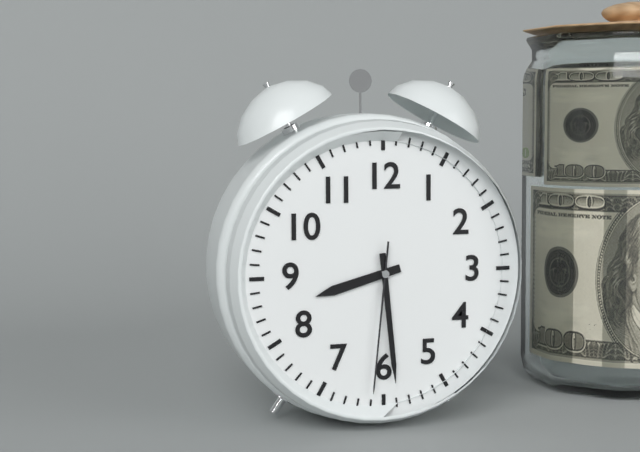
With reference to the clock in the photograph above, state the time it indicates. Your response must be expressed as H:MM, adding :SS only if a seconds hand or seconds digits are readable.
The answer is 8:29:31
